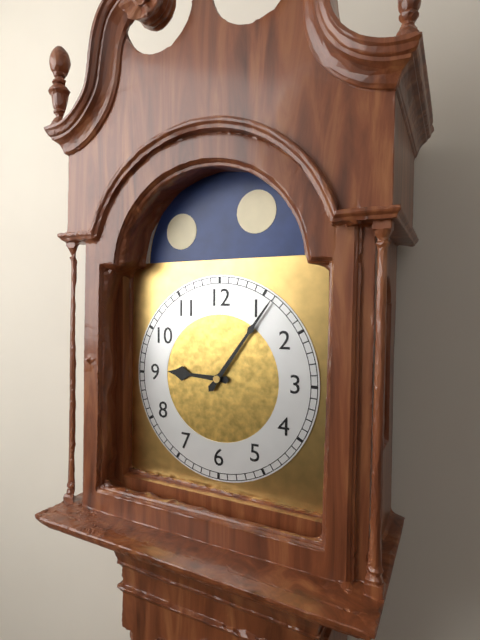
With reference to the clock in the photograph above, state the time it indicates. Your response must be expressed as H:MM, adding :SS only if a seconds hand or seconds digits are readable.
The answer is 9:06
